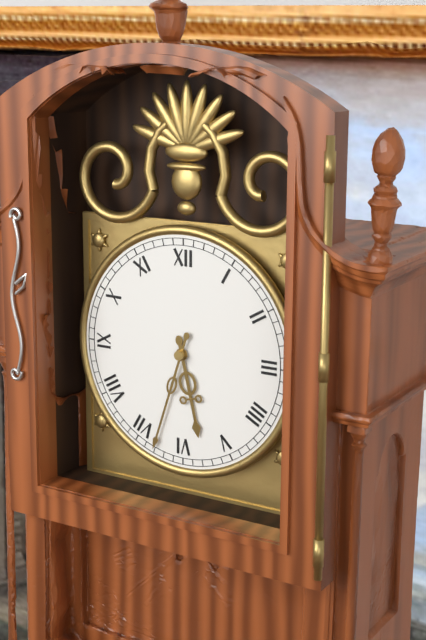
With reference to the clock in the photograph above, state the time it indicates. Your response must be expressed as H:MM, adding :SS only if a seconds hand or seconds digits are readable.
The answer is 5:33
